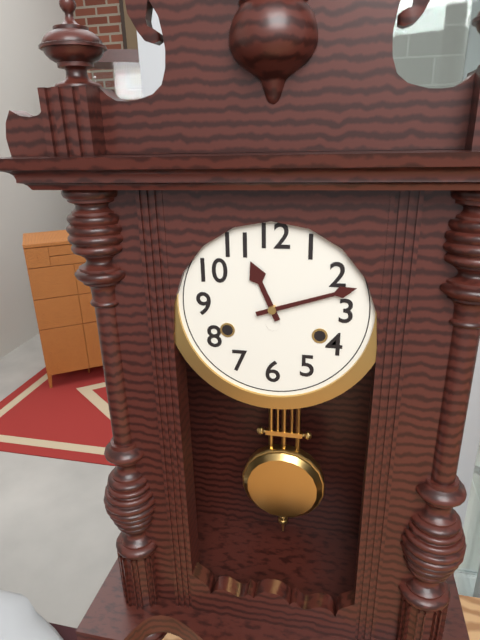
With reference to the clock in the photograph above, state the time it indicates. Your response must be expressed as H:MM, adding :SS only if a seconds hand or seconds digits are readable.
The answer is 11:12
